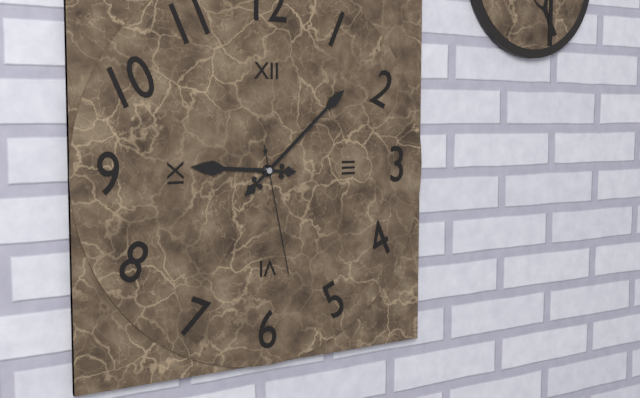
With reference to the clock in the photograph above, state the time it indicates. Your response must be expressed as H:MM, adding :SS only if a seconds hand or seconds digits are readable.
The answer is 9:08:28
